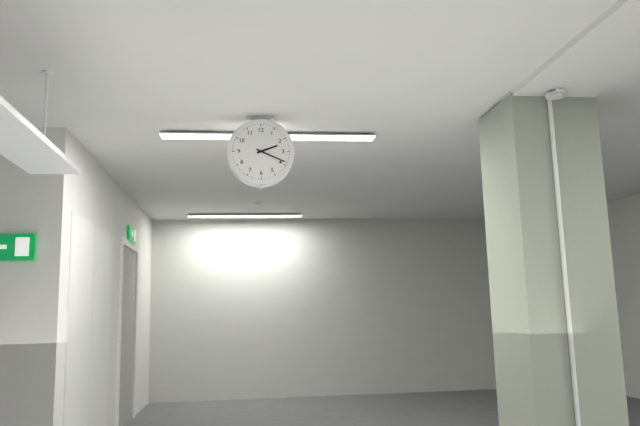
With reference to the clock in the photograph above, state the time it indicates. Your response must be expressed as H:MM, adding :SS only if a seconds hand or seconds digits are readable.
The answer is 2:19
